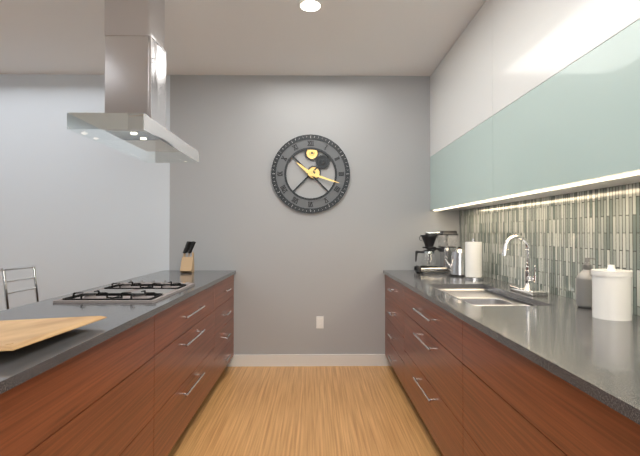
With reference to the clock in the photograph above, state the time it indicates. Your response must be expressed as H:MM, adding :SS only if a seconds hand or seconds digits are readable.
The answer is 10:18
